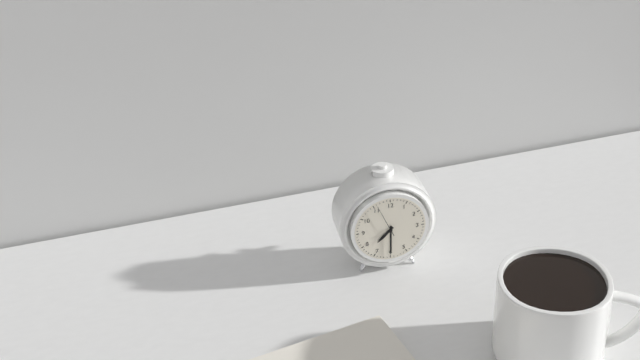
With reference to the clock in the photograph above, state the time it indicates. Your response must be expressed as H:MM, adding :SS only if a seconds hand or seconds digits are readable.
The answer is 7:30
